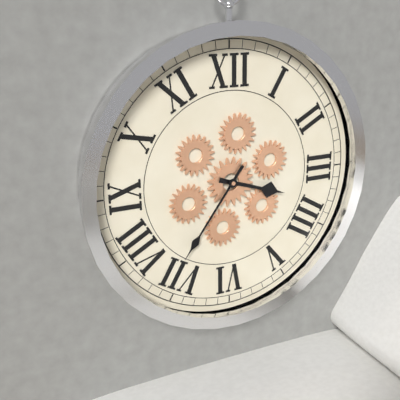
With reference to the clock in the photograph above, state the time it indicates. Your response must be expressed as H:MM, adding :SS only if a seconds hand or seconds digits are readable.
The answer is 3:36
